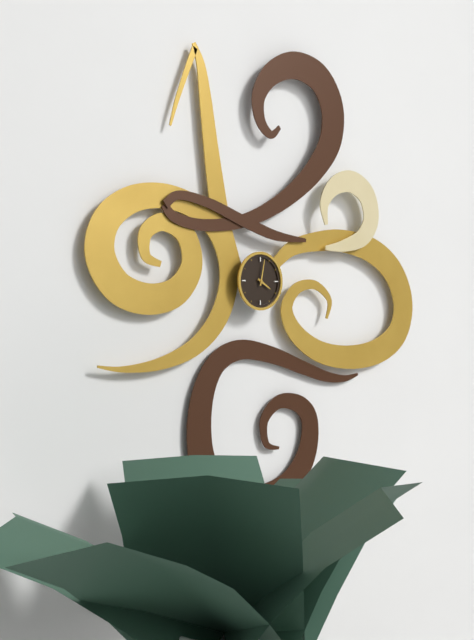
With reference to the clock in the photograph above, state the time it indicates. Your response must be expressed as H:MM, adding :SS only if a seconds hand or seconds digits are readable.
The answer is 4:02
